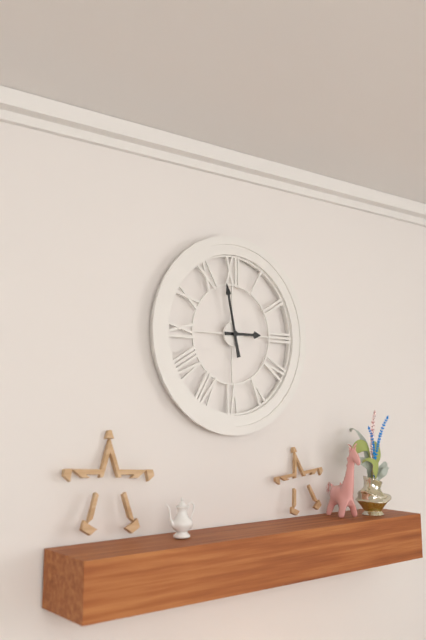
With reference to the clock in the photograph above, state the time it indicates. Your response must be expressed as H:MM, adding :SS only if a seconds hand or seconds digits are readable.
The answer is 2:58
